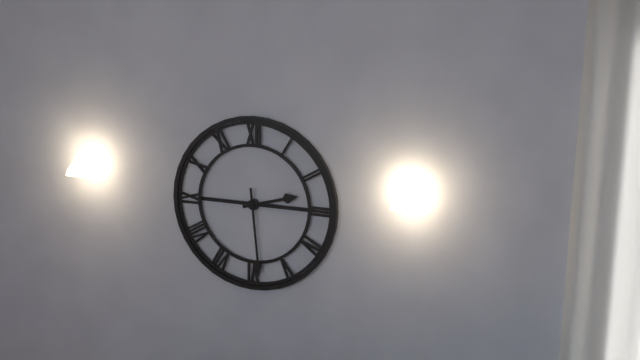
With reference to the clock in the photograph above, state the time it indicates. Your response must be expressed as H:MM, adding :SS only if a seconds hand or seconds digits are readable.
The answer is 2:29
